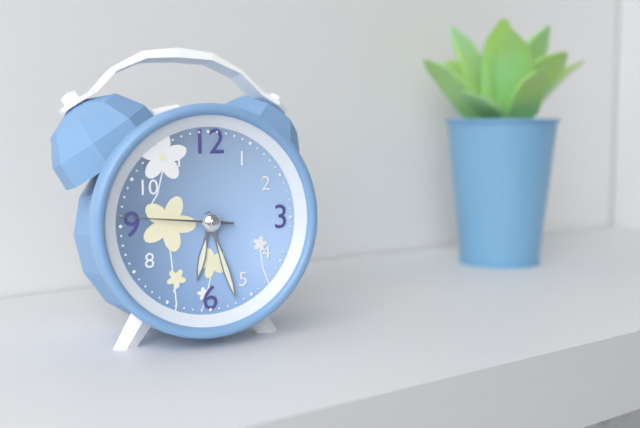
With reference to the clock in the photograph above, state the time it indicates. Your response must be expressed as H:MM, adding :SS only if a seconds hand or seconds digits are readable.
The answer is 6:27:46
